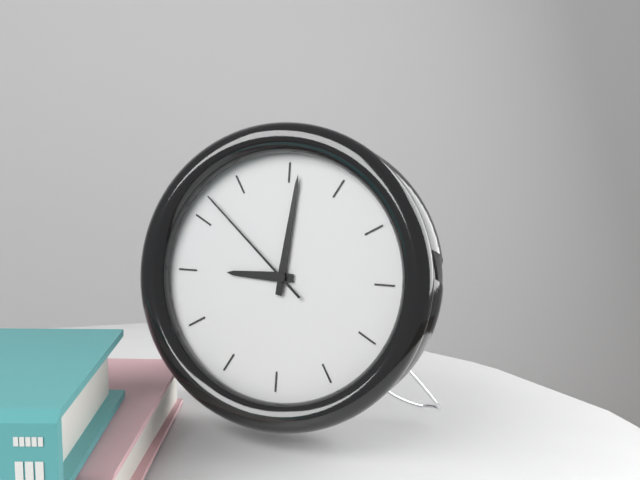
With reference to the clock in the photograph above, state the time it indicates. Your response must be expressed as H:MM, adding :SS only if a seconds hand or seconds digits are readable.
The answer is 9:01:52
